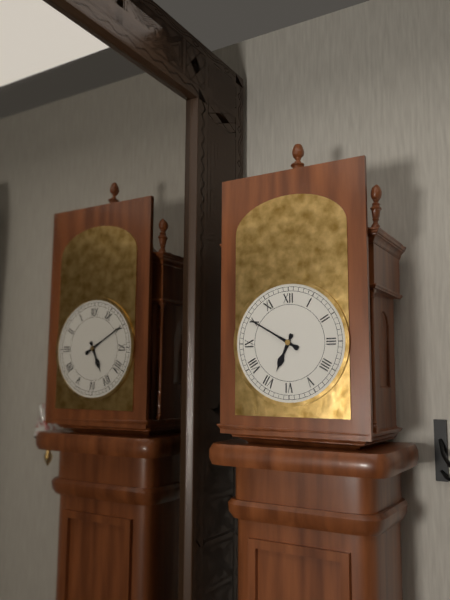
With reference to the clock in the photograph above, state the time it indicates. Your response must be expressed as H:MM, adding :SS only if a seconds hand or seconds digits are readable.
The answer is 6:50
